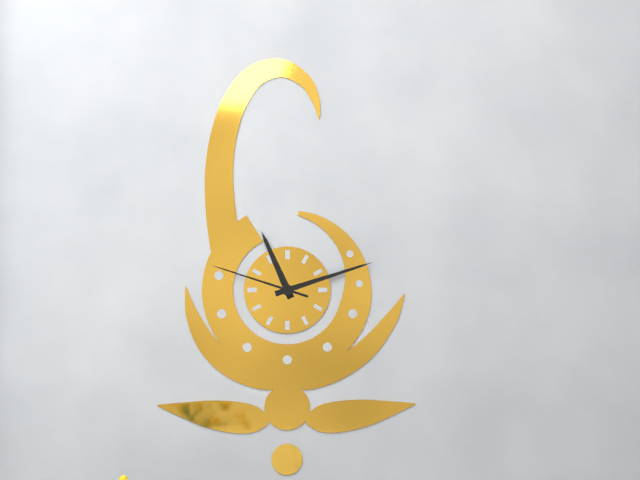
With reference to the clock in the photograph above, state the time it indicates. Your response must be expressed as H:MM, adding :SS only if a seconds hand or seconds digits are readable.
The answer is 11:12:48
